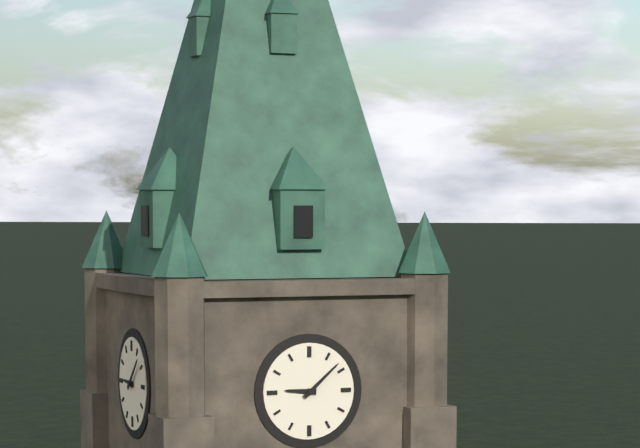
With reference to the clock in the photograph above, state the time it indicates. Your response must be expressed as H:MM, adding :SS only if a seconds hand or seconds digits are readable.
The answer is 9:08
